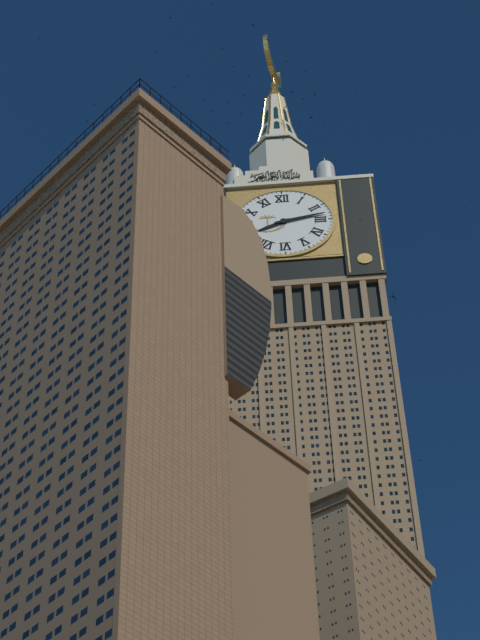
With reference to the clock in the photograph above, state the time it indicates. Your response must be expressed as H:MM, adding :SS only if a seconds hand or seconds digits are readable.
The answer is 8:13
